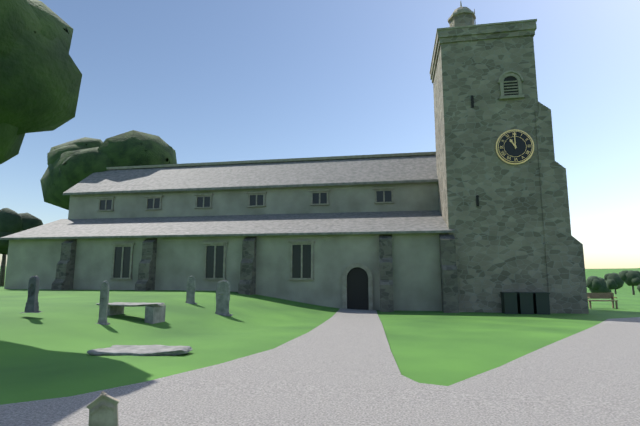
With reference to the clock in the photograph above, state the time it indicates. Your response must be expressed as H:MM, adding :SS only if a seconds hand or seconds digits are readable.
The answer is 11:00
